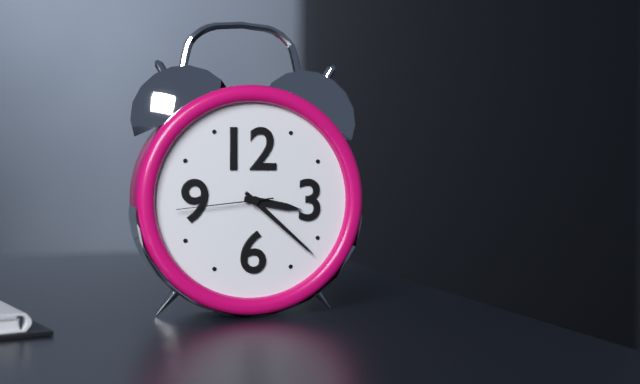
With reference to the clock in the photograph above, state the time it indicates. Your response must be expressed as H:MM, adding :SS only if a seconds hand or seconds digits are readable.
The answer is 3:22:44
